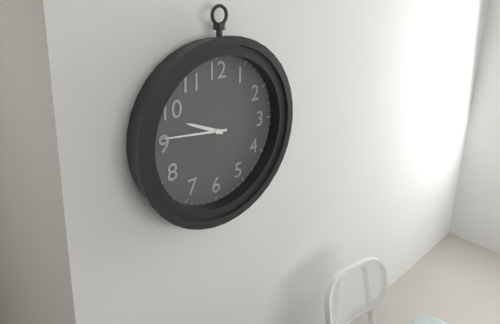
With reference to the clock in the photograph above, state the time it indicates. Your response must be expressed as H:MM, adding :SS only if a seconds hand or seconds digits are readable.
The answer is 9:46
